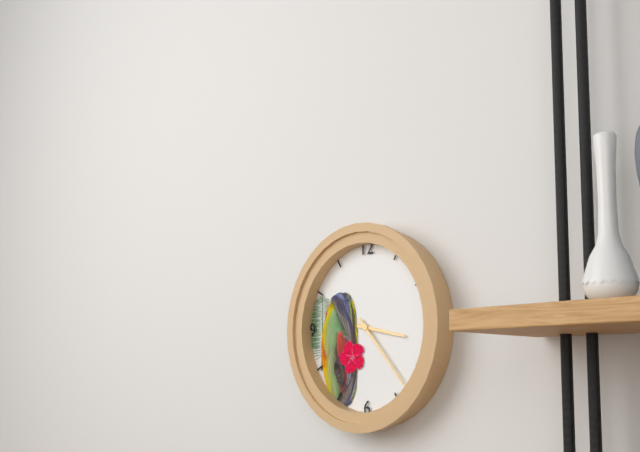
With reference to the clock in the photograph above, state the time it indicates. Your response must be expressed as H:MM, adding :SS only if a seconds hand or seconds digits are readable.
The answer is 3:23
